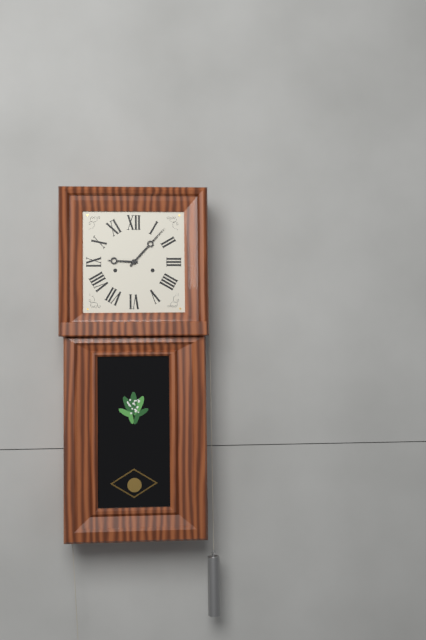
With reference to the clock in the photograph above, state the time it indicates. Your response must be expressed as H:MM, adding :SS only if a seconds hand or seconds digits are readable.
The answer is 9:07
